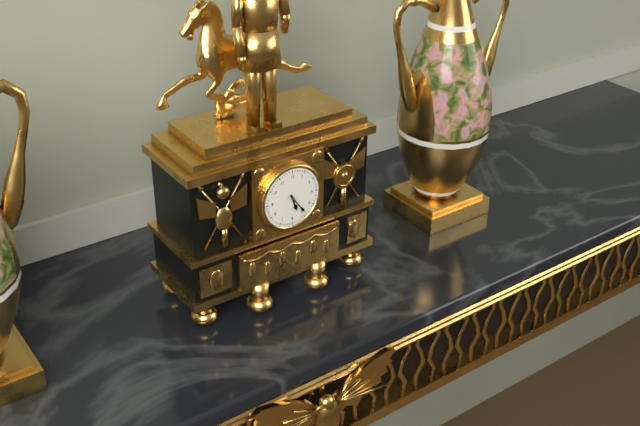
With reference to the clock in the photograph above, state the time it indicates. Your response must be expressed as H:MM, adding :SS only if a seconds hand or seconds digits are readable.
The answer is 5:24
